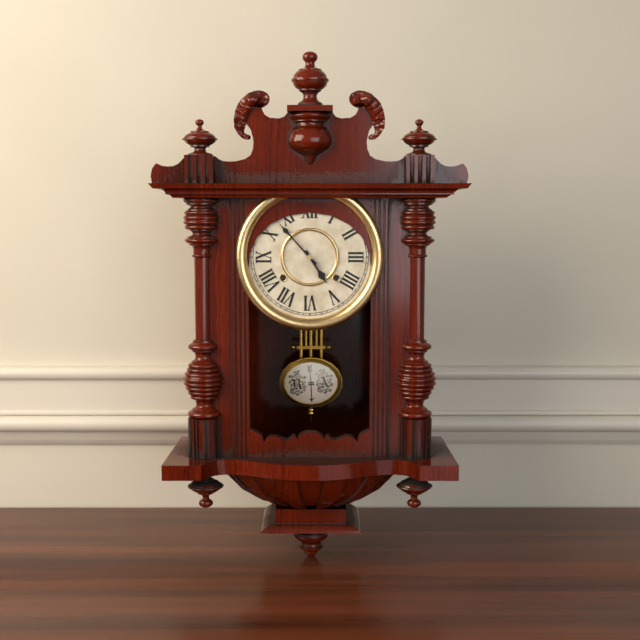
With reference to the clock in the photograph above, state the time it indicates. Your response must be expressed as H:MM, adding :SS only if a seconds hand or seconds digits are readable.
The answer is 4:53
